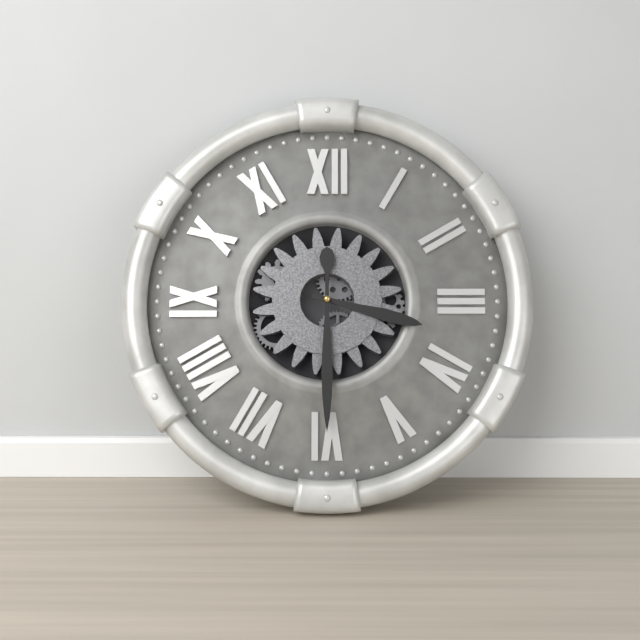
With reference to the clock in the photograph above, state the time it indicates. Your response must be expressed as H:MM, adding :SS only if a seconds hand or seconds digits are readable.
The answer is 3:30
